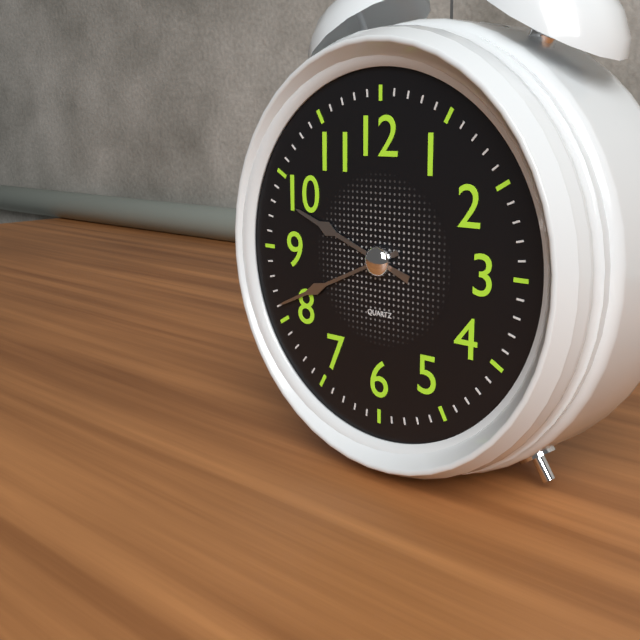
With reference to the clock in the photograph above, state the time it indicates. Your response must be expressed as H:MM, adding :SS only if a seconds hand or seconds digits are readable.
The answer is 9:41
